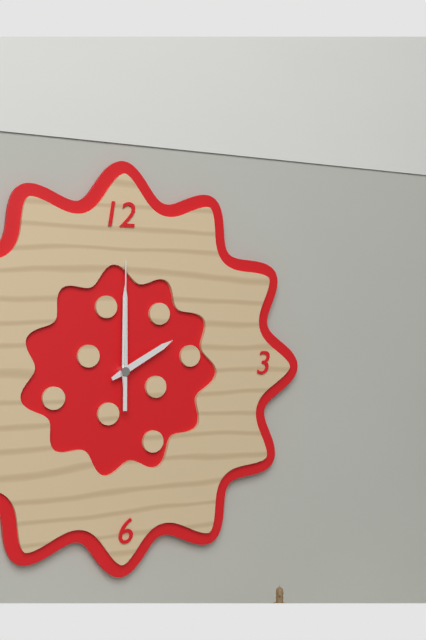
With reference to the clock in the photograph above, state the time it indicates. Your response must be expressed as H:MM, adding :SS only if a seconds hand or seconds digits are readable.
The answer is 2:00:00
